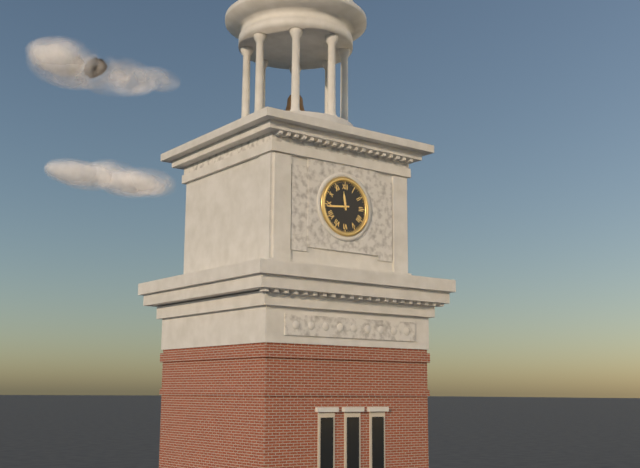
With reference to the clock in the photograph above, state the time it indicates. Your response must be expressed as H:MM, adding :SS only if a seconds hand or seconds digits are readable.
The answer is 11:44
